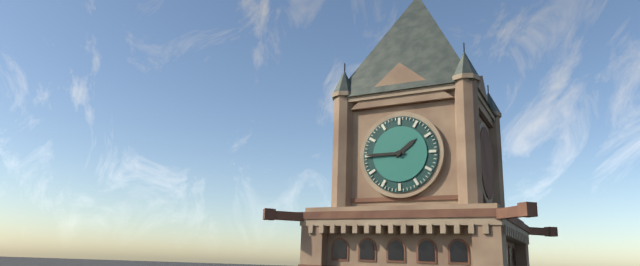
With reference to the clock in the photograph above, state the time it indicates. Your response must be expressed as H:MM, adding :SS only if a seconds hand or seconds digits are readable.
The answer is 1:45
